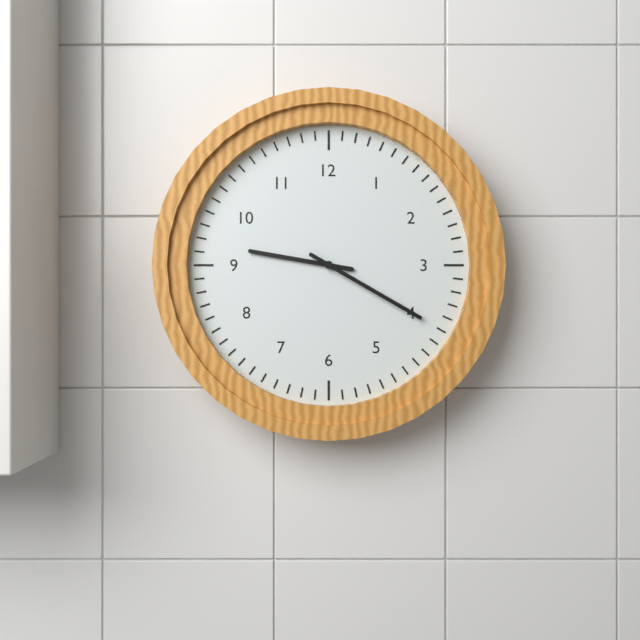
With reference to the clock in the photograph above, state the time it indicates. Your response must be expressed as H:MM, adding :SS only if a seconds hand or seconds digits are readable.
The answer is 9:20
